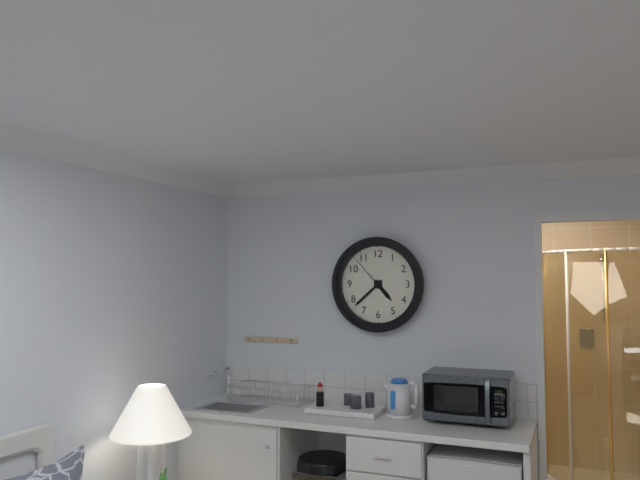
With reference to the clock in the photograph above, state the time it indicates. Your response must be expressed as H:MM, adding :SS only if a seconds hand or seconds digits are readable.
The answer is 4:38
